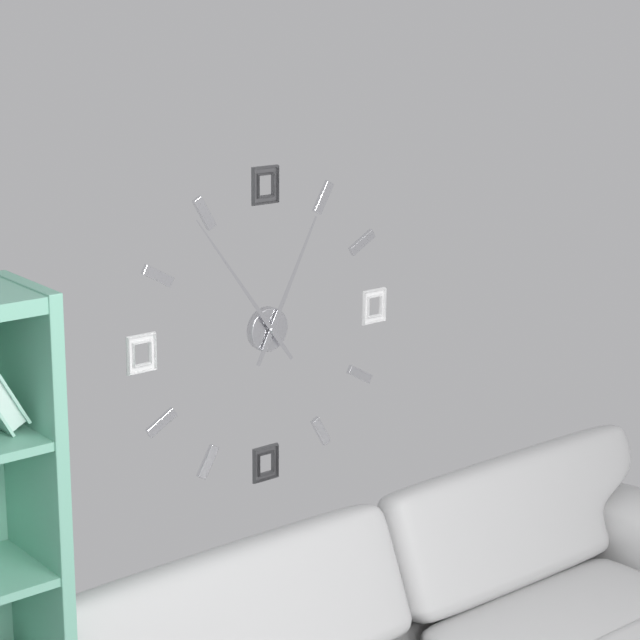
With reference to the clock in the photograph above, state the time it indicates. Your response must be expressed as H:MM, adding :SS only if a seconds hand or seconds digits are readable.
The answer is 12:54
